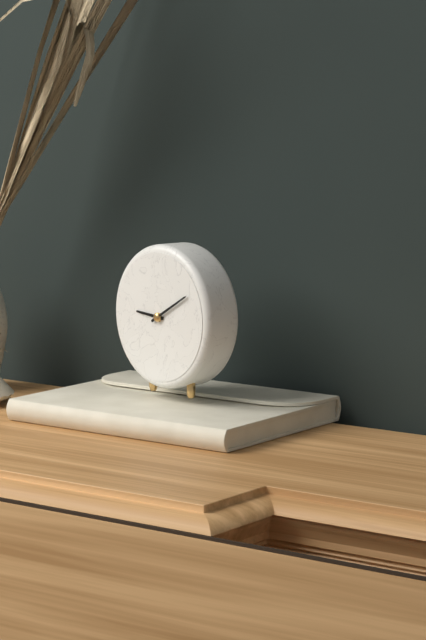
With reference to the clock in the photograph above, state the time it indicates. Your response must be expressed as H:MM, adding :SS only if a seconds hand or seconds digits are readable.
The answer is 9:10
